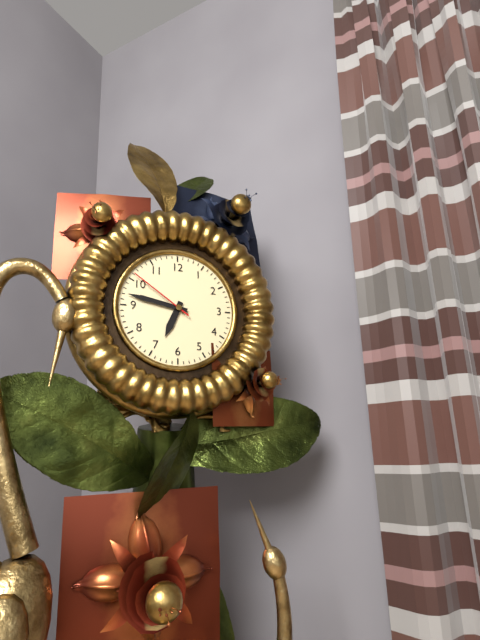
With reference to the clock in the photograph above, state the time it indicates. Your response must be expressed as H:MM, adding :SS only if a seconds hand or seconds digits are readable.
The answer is 6:47:51
